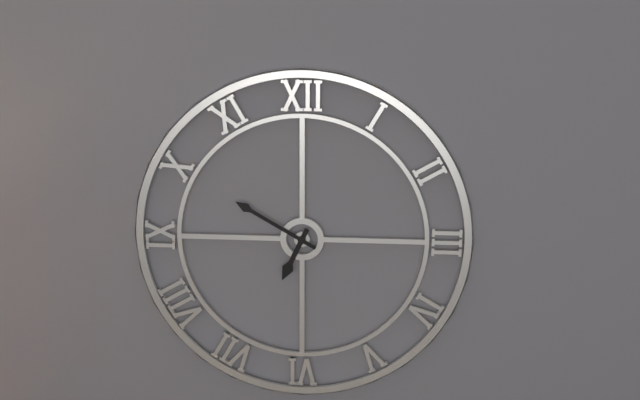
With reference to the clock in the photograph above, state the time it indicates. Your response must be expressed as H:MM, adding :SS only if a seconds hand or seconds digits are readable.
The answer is 6:50
